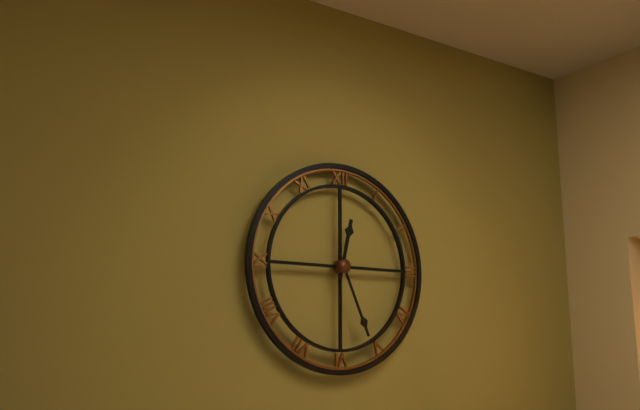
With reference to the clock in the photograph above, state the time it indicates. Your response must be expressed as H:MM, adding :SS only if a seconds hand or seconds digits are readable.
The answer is 12:26
